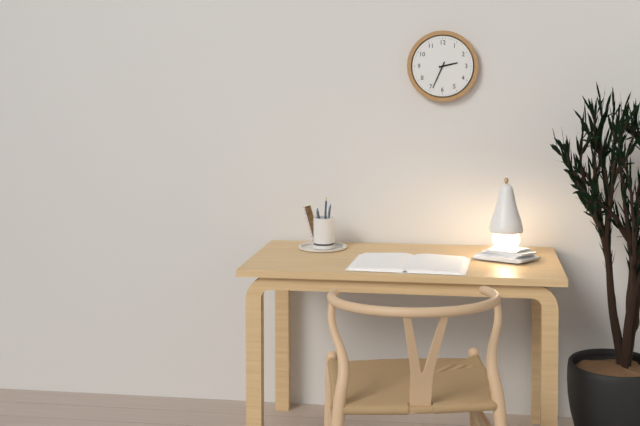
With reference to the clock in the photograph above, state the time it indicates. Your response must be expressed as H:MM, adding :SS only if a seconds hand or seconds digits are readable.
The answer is 2:34
